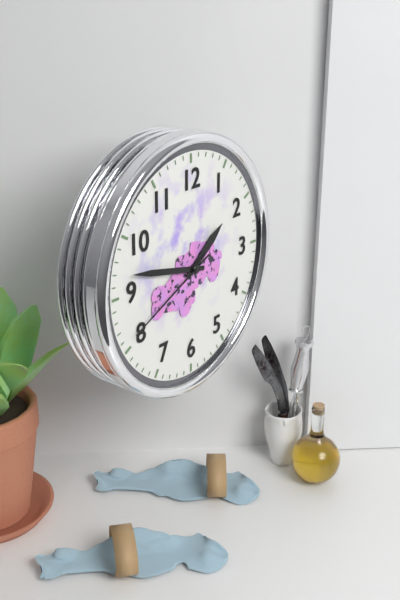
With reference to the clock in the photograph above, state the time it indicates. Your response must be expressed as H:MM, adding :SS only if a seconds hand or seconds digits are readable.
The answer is 1:47:41
